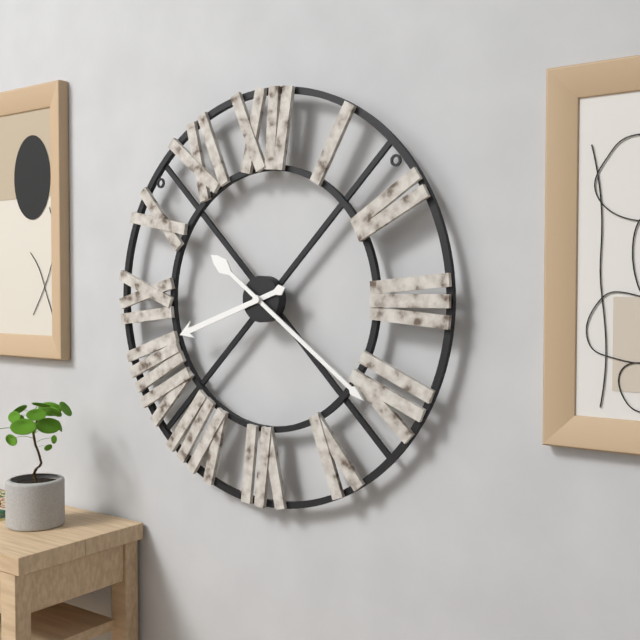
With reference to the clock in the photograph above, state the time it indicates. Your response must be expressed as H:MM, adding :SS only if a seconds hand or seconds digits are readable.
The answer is 8:21
